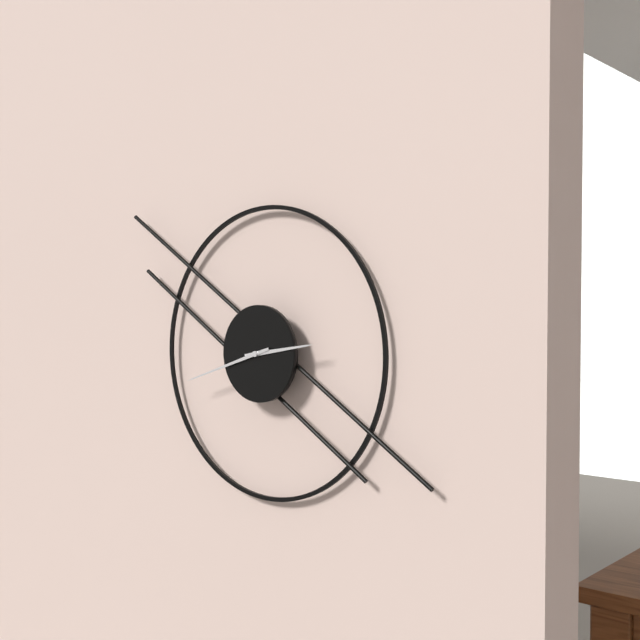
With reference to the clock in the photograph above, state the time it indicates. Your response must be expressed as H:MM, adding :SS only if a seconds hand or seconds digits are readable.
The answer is 2:42
